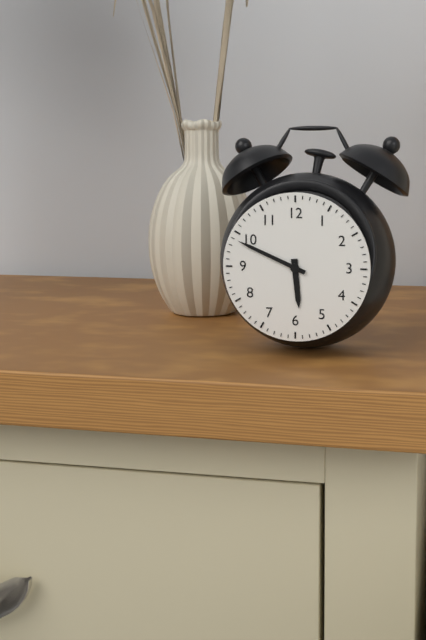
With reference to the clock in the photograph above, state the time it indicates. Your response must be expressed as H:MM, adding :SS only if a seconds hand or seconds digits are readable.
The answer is 5:49
